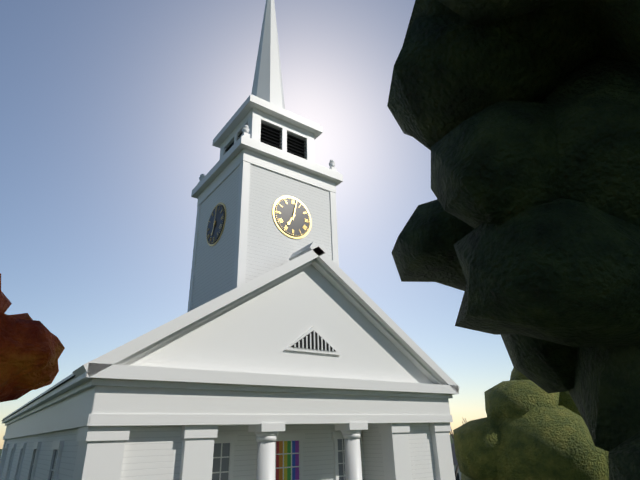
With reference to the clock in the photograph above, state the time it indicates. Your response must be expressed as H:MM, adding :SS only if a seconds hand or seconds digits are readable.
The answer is 7:02
